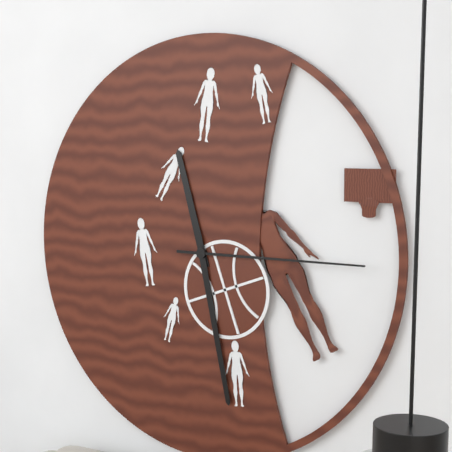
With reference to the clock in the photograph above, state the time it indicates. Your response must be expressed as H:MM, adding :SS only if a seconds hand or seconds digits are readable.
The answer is 11:28:15
